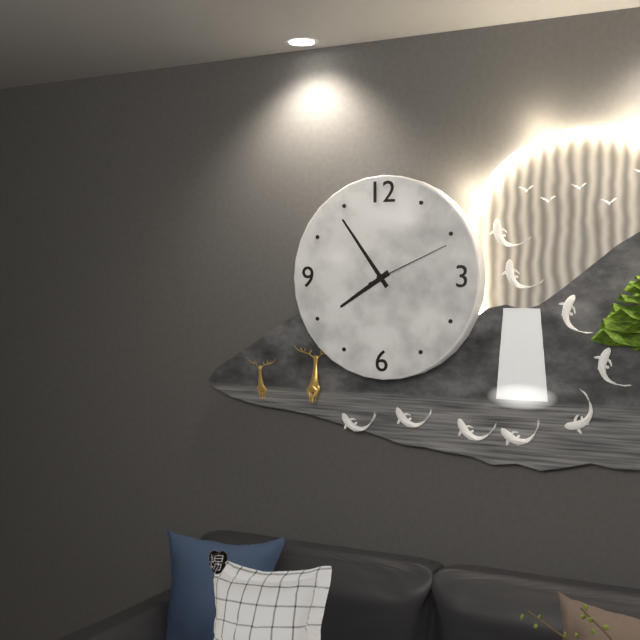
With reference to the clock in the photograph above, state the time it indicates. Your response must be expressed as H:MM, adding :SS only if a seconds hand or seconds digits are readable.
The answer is 7:54:11
